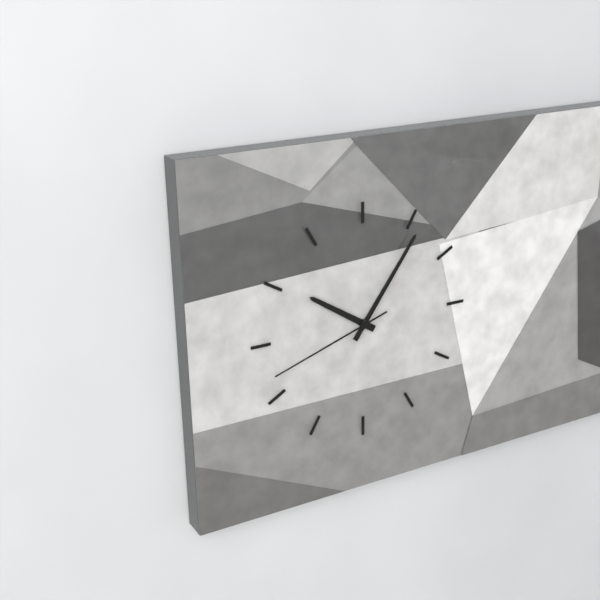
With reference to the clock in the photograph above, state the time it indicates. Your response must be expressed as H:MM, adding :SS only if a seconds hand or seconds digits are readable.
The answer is 10:06:42
